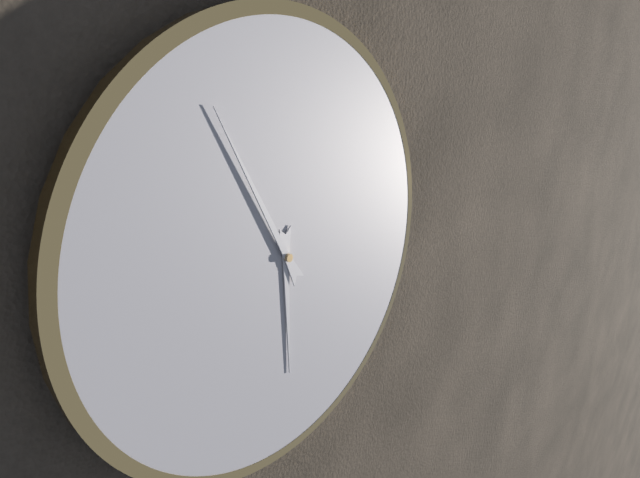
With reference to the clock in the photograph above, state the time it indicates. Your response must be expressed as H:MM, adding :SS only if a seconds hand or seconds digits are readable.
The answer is 5:55
